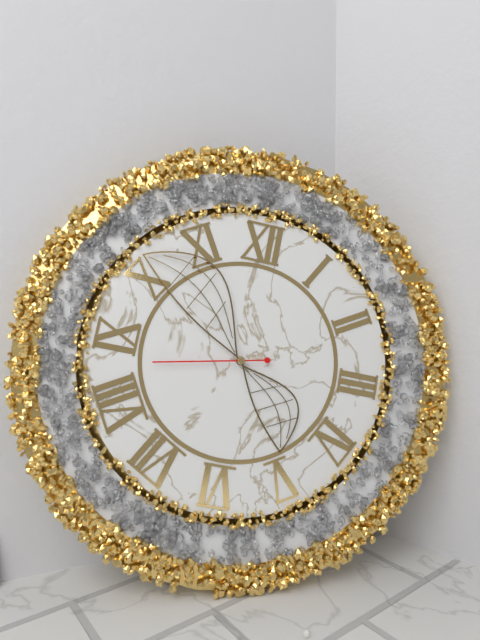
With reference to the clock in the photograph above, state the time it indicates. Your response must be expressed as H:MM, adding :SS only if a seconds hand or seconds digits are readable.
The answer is 4:51:43
